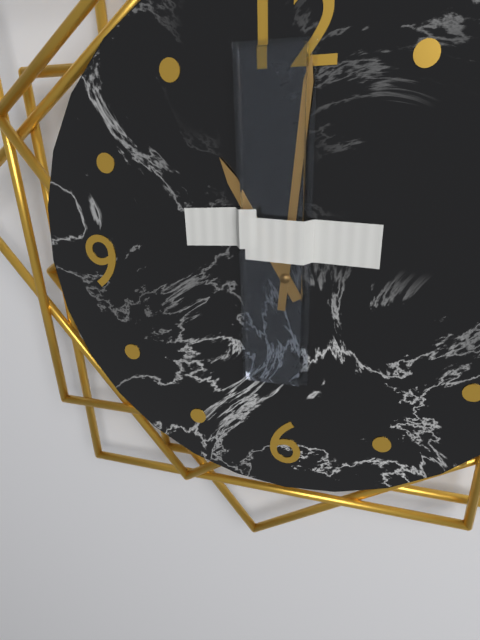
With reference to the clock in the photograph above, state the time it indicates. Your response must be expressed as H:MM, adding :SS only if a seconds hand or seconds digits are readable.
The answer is 11:01
